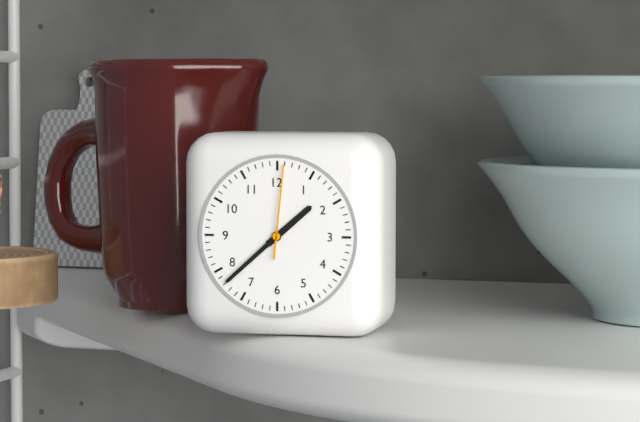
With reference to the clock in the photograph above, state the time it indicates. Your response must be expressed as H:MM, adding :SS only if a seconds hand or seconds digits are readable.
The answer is 1:38:01
